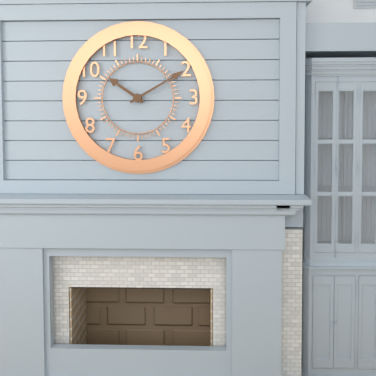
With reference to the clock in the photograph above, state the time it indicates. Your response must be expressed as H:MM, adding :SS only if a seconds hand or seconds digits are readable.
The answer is 10:10
